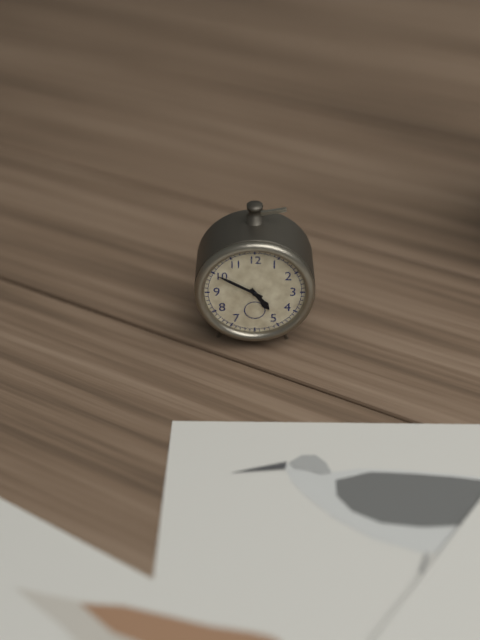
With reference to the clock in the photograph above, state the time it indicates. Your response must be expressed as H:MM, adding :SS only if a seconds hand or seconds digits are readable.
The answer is 4:50
